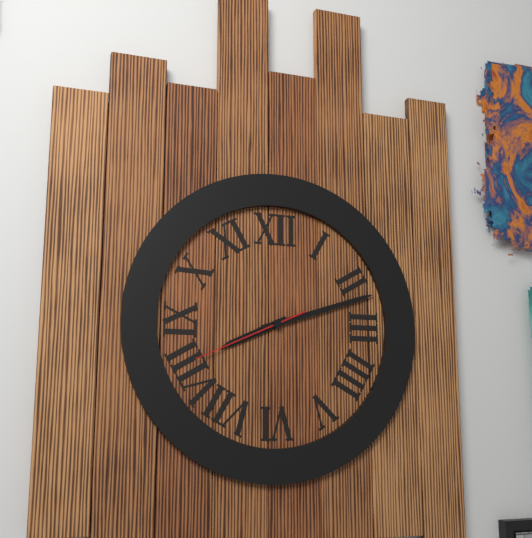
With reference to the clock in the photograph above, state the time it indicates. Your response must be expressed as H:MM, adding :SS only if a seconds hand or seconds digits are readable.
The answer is 8:12:41
